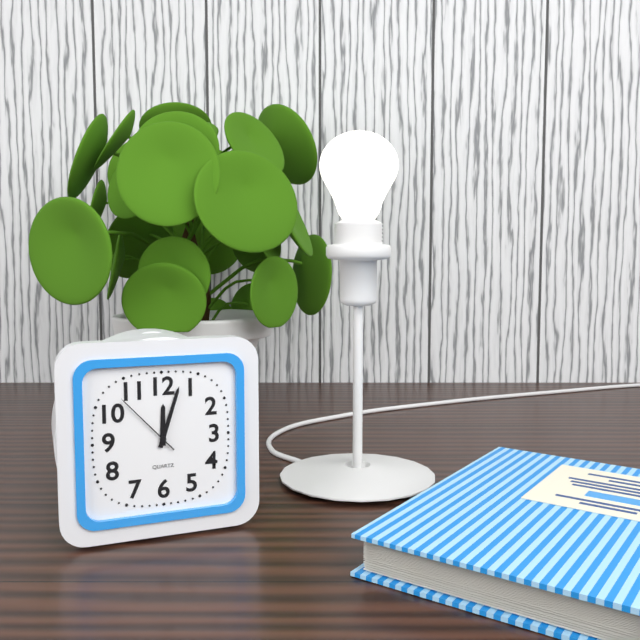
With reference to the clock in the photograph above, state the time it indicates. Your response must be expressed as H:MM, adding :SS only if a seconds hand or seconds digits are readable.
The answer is 12:03:53
